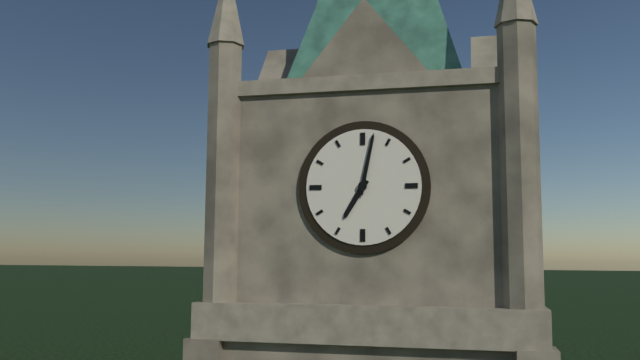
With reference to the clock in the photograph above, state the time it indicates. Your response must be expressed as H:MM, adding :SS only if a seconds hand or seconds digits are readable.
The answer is 7:02
